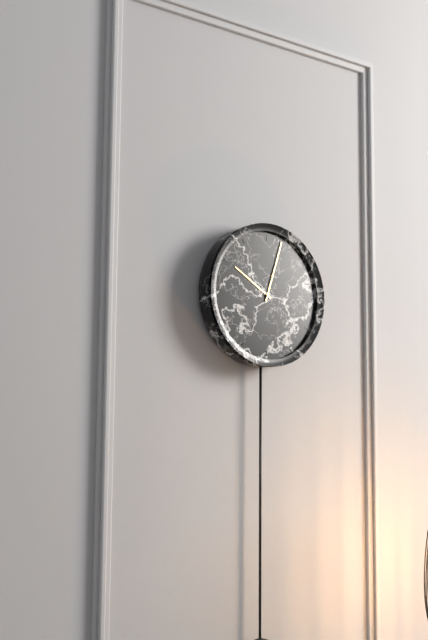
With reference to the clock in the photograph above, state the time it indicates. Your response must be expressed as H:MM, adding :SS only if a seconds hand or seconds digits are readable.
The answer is 10:03
